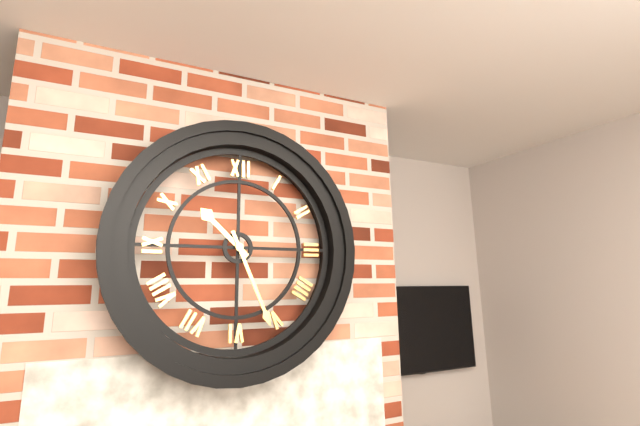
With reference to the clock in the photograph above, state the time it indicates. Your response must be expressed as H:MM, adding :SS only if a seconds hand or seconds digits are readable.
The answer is 10:26
